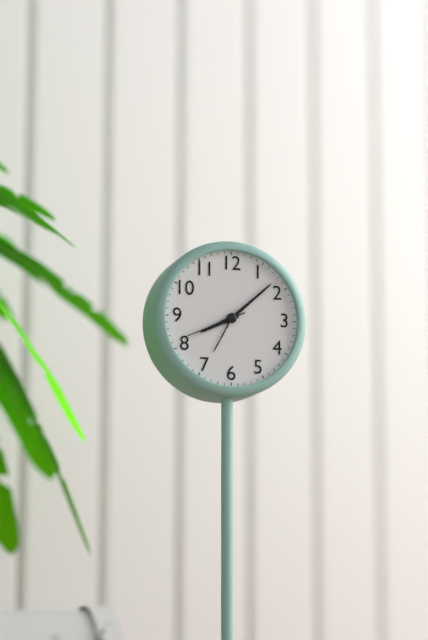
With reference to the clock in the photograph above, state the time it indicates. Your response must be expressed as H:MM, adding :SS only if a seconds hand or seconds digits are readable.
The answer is 8:08:41
